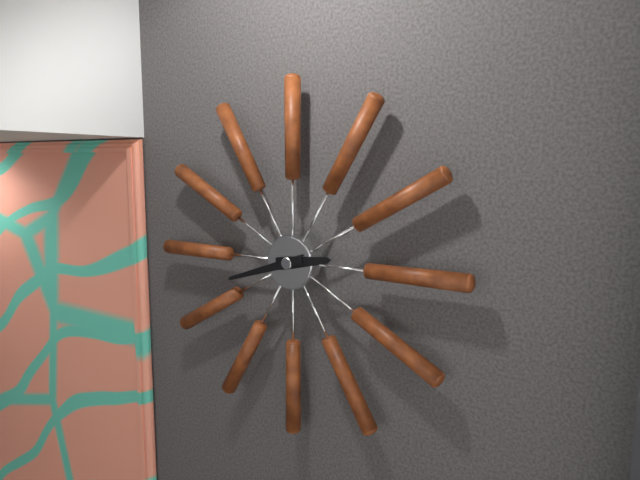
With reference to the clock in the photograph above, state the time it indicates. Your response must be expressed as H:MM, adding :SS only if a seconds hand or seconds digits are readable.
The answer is 2:42
